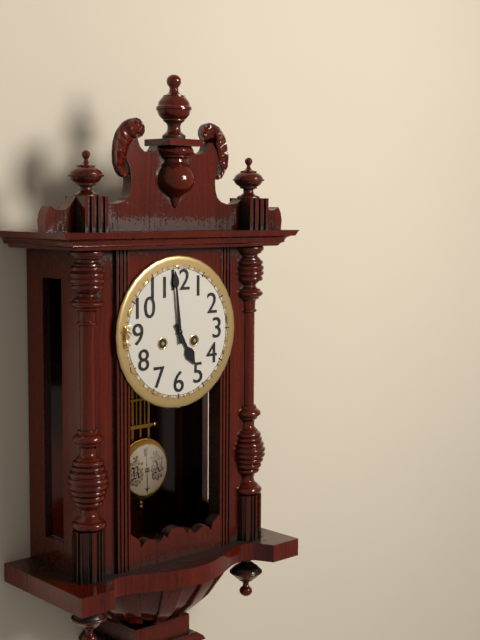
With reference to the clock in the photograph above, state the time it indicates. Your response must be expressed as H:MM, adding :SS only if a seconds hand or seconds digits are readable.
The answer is 4:59
